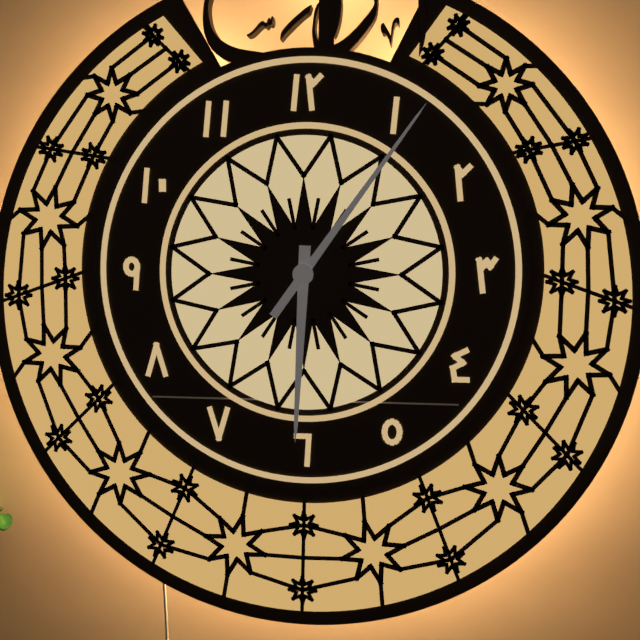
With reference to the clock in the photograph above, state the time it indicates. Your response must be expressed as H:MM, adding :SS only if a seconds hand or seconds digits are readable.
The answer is 6:06
